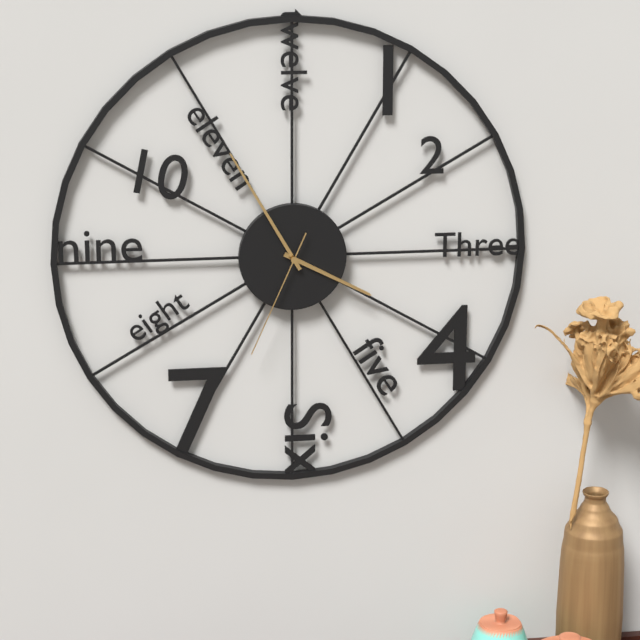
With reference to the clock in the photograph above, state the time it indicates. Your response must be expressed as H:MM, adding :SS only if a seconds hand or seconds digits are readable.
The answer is 3:55:34
